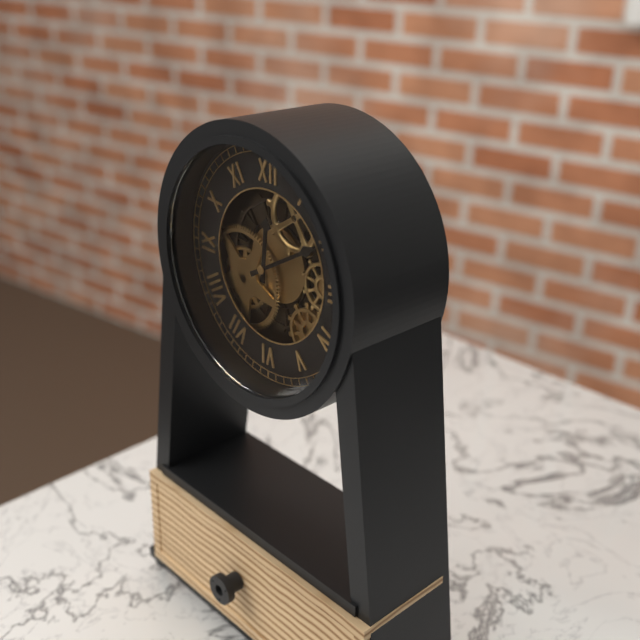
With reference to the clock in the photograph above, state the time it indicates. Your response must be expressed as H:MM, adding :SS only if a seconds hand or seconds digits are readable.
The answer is 12:10
